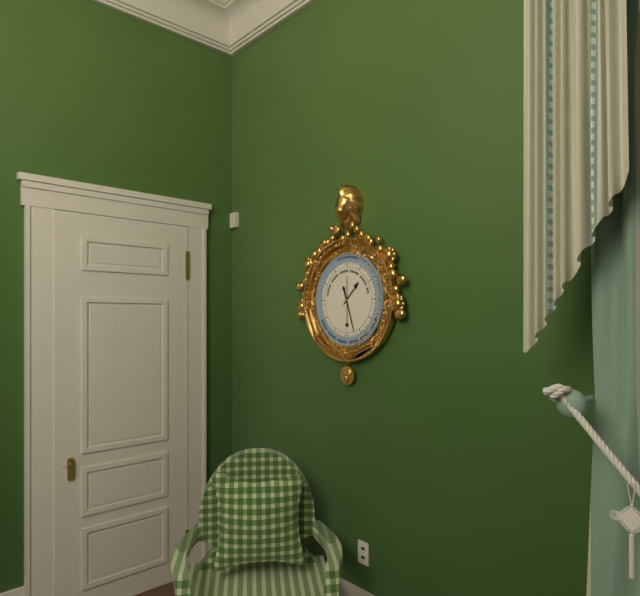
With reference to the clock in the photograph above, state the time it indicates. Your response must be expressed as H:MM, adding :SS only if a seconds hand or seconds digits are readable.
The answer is 1:27
